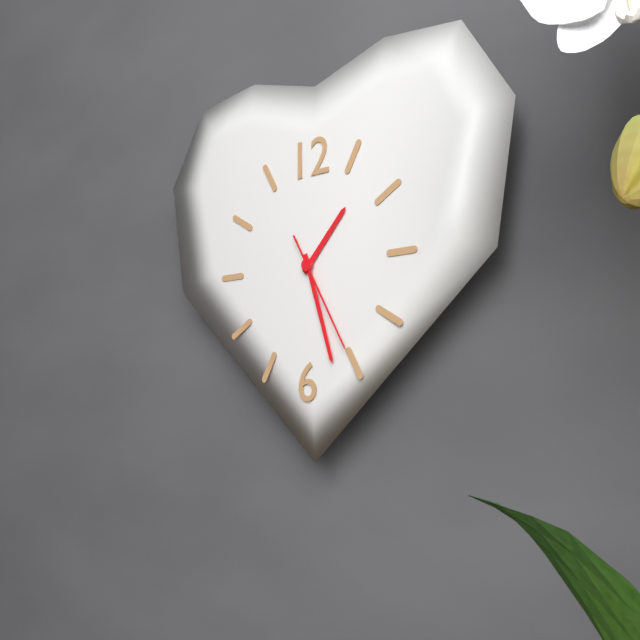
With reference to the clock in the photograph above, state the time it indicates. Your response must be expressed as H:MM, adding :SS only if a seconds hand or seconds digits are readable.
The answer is 1:27:25
